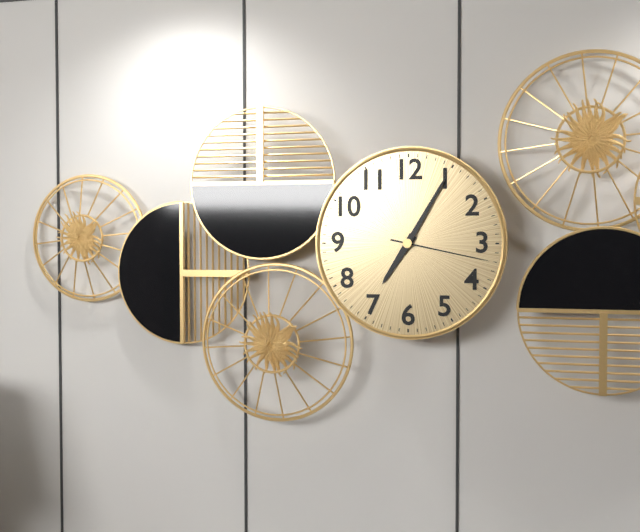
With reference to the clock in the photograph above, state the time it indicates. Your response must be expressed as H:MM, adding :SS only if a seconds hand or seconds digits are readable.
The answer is 7:05:17
